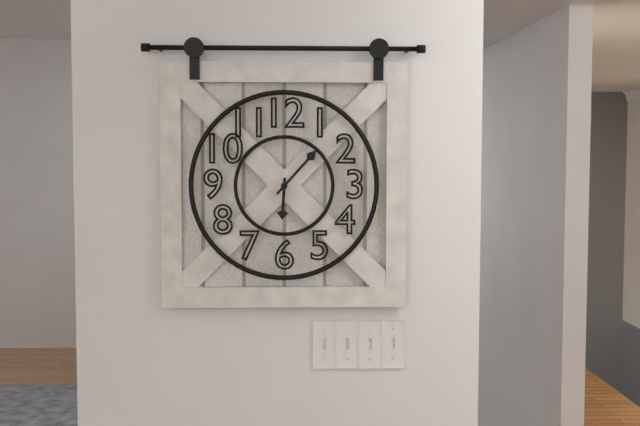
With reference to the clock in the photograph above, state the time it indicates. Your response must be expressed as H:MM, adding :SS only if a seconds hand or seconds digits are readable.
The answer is 6:07
